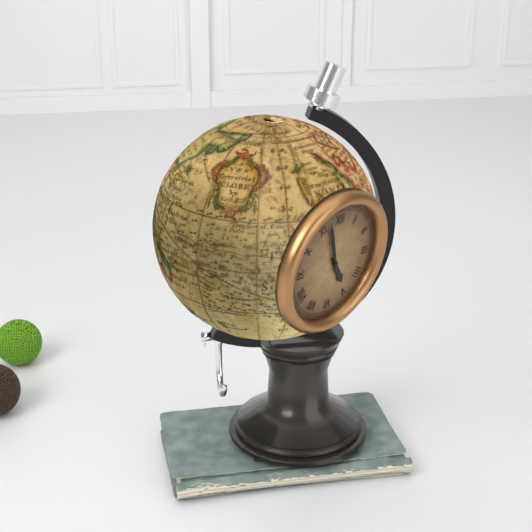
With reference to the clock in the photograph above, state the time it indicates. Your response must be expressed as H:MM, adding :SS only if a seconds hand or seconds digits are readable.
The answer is 4:57
